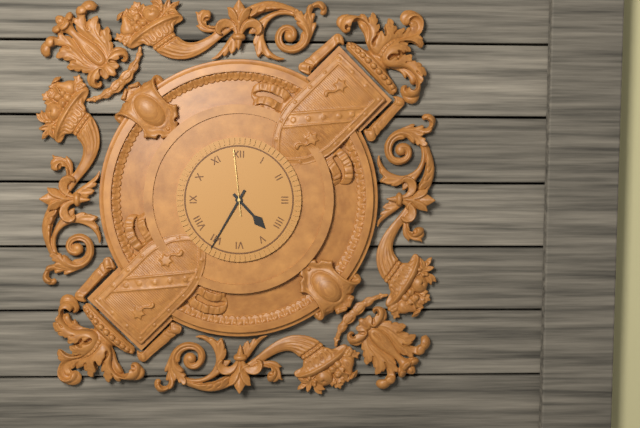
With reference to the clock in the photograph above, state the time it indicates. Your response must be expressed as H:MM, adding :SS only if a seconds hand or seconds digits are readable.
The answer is 4:35:59
